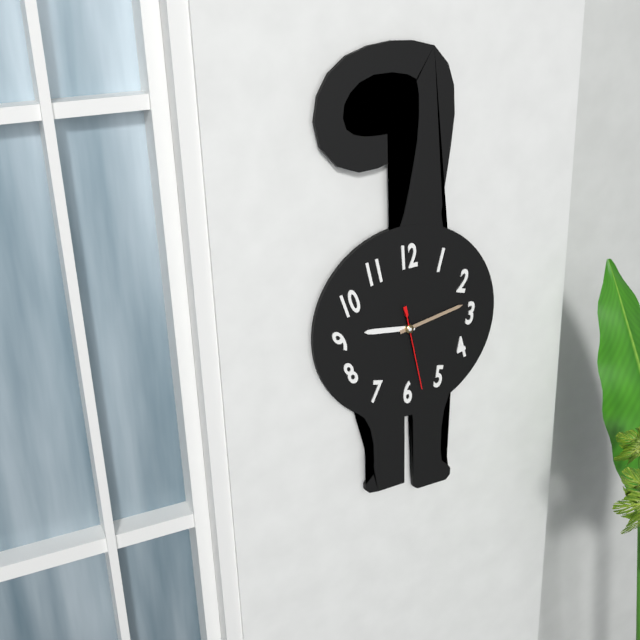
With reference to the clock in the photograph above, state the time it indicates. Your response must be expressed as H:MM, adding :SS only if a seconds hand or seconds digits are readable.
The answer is 9:13:28
